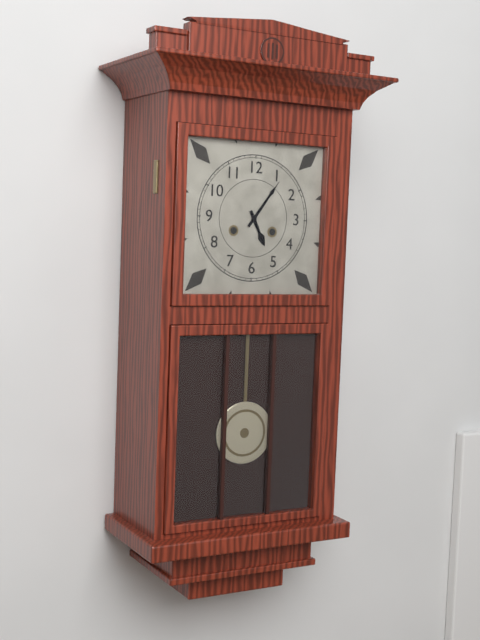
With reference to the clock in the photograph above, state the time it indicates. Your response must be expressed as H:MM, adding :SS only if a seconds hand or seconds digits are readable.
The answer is 5:06
